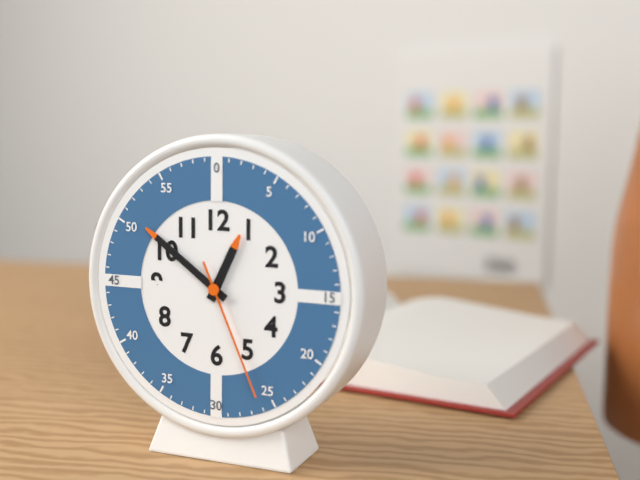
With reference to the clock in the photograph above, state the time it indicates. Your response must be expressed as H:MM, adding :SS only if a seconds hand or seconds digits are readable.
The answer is 12:51:26
